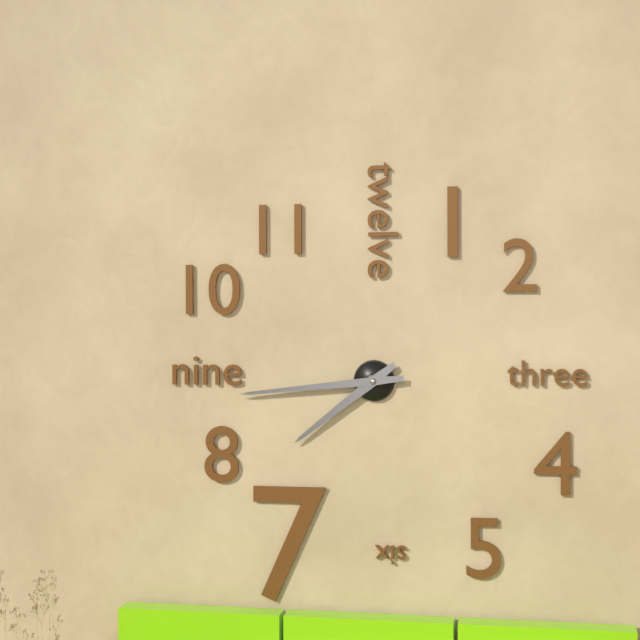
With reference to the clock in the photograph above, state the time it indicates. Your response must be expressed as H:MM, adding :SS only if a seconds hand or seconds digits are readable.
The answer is 7:44
